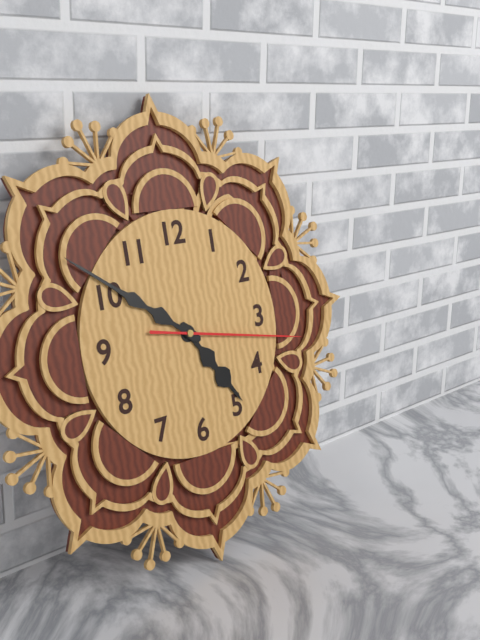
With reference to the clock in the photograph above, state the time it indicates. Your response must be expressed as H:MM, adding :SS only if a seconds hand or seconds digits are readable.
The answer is 4:51:17
